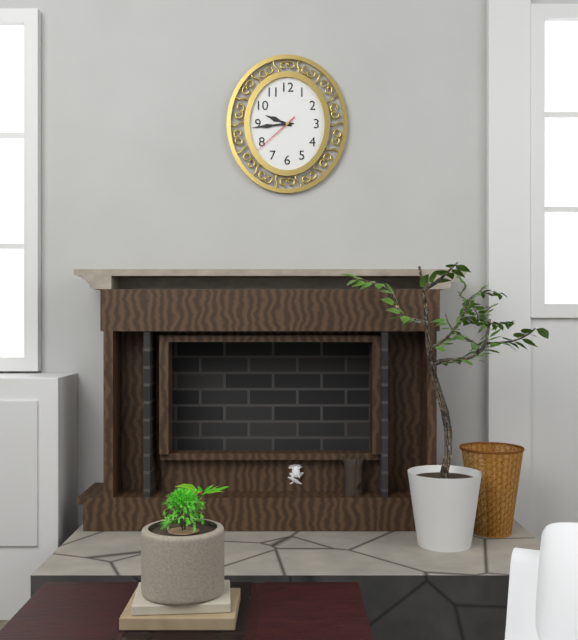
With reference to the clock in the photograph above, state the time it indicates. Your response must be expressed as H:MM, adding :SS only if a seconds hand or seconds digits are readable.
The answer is 9:44
